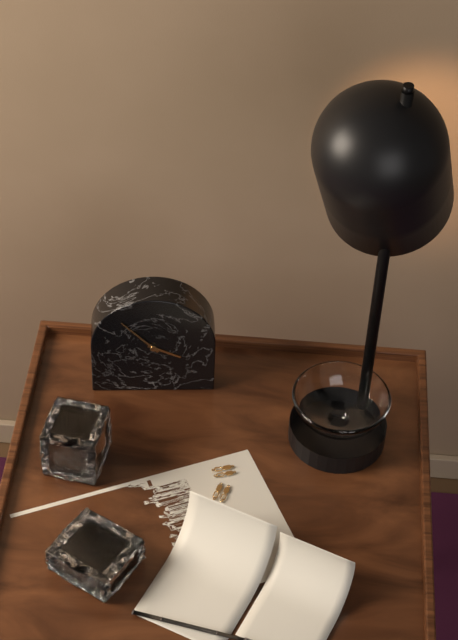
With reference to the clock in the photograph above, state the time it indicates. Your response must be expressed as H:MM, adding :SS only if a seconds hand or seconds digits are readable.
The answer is 3:53
